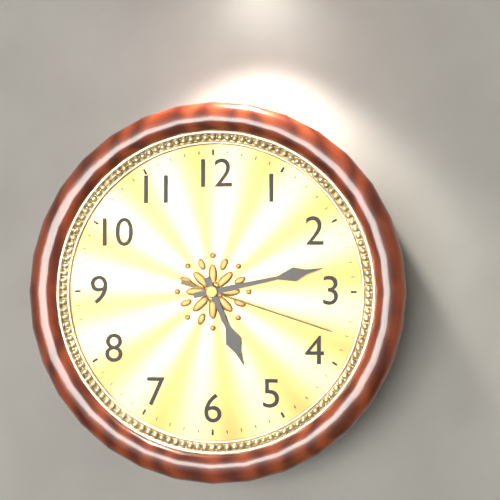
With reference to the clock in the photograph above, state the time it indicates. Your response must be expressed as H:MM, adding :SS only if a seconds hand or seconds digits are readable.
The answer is 5:13:18
